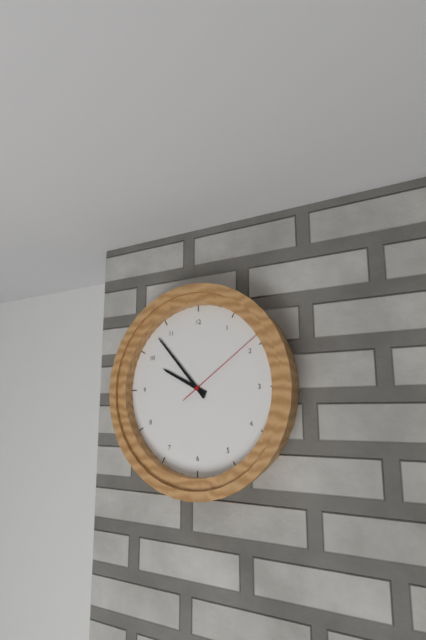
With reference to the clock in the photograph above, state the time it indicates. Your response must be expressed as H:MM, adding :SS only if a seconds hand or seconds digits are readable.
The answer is 9:53:09
